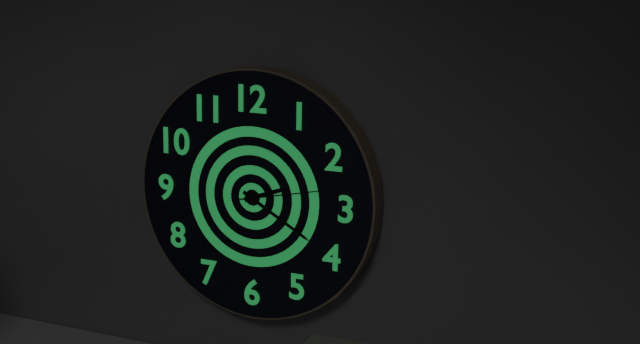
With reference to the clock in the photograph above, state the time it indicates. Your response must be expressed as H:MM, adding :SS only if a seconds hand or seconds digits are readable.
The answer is 2:20:13
